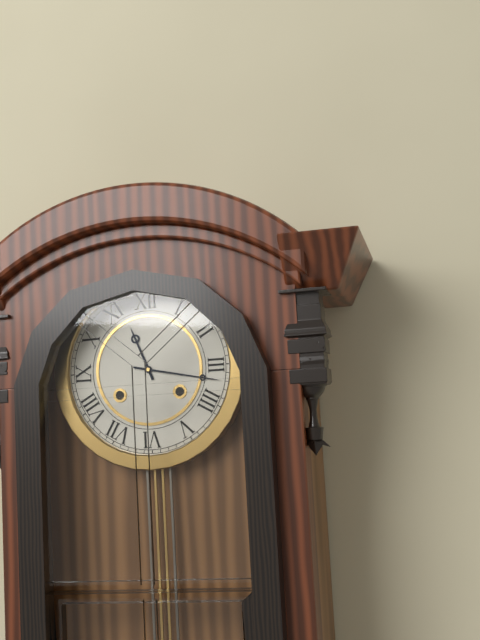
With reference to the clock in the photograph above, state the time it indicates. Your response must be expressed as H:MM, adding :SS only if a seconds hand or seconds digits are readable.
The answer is 11:17
